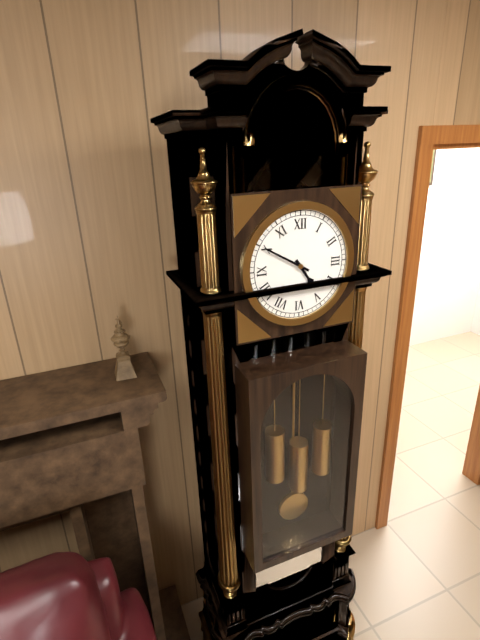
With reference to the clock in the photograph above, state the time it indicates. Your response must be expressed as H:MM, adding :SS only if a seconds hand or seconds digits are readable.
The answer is 4:50
